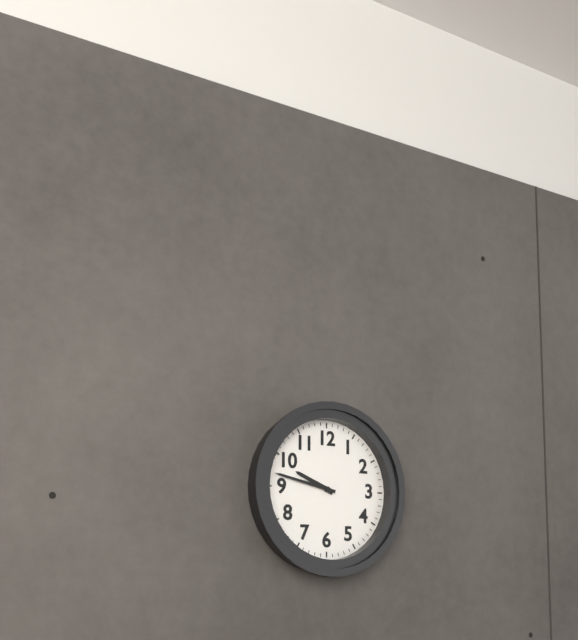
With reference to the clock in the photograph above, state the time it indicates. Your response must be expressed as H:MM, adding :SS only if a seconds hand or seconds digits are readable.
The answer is 9:47
